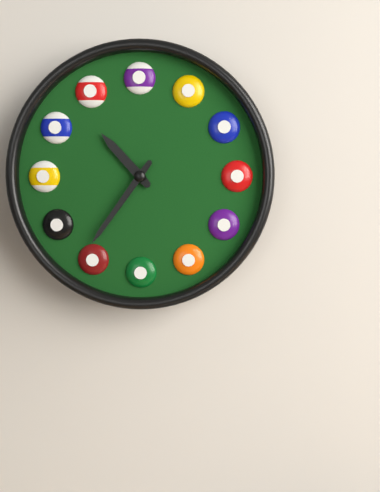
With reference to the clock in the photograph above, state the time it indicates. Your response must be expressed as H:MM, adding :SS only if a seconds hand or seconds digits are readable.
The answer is 10:36
